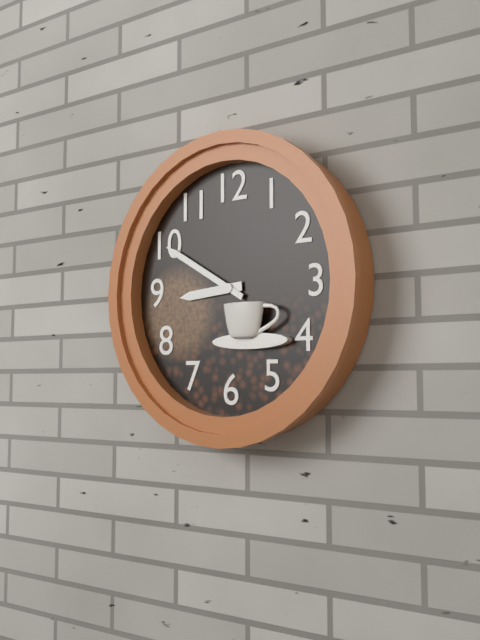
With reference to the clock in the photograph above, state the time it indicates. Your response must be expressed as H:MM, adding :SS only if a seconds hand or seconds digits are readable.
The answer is 8:50
